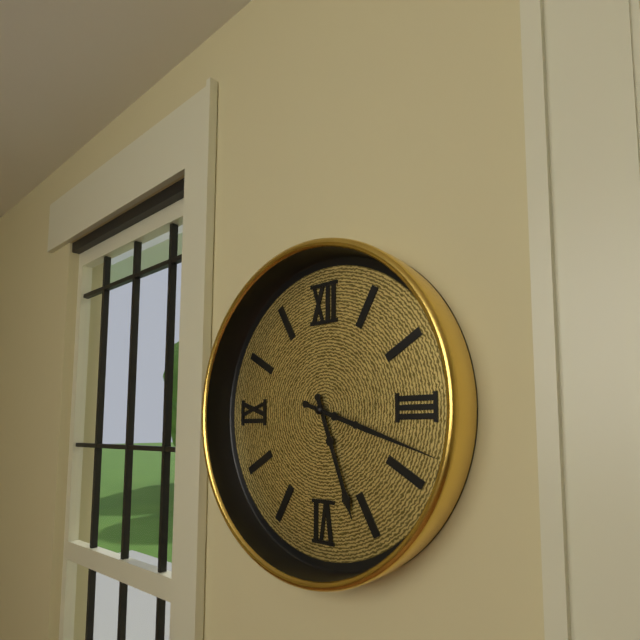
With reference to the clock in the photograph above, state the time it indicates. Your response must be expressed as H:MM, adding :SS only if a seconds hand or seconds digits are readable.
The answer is 5:18
